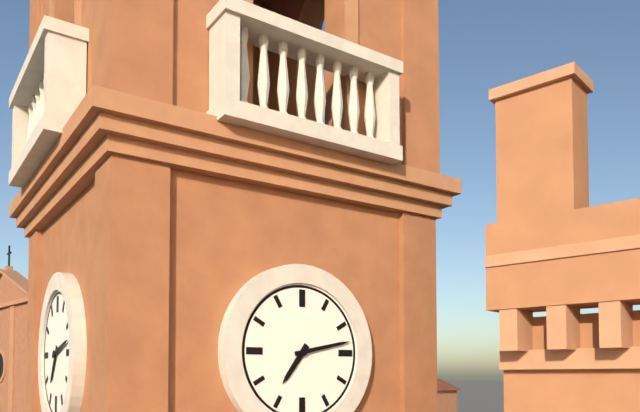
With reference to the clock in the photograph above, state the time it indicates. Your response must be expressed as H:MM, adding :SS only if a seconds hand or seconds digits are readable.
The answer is 7:13
